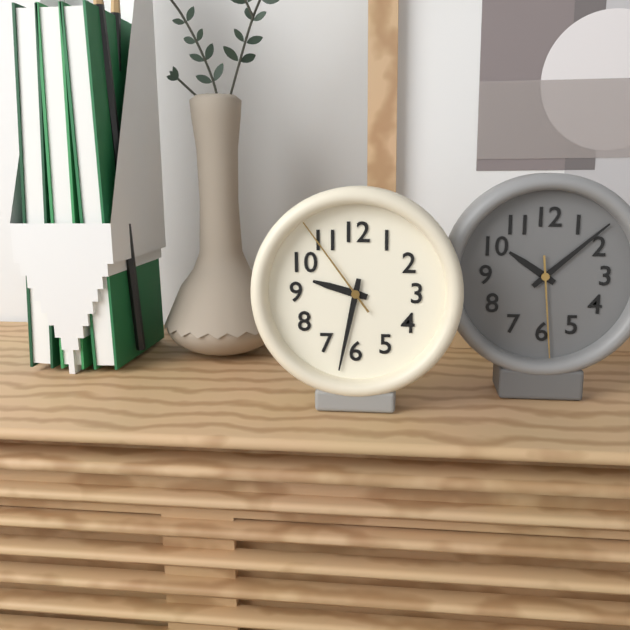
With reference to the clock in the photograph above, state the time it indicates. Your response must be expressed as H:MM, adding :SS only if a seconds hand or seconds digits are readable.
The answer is 9:32:54
